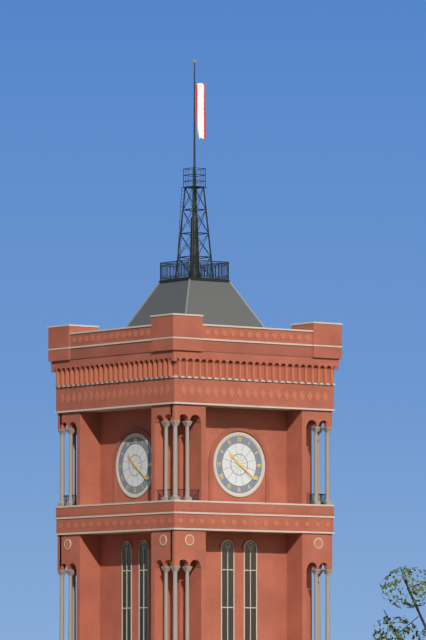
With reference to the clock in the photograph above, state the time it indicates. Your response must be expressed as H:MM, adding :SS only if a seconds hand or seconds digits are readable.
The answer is 10:21
